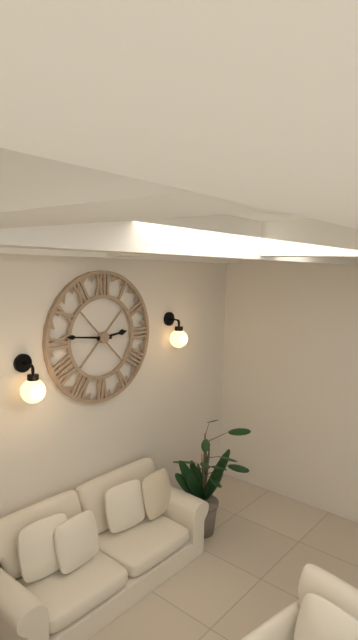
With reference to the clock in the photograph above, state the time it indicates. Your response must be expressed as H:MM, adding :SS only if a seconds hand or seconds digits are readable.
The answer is 2:46
